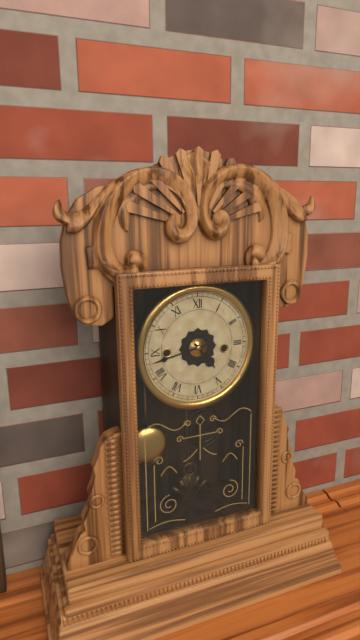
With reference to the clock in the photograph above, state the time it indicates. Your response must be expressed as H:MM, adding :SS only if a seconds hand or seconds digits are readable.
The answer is 4:43
